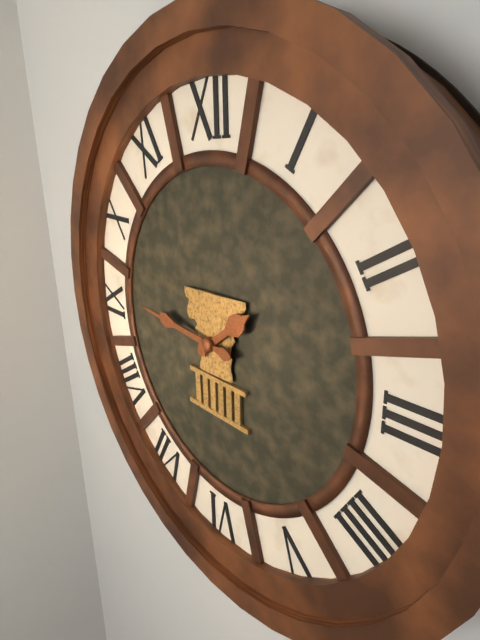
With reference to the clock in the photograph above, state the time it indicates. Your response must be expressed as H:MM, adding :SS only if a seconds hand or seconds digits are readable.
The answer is 1:46
